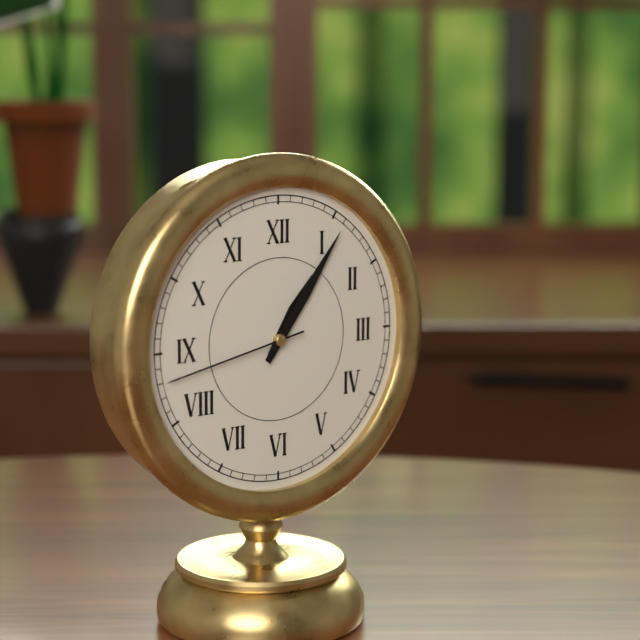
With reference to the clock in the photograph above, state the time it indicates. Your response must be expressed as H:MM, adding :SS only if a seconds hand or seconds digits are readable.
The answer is 1:06:43
